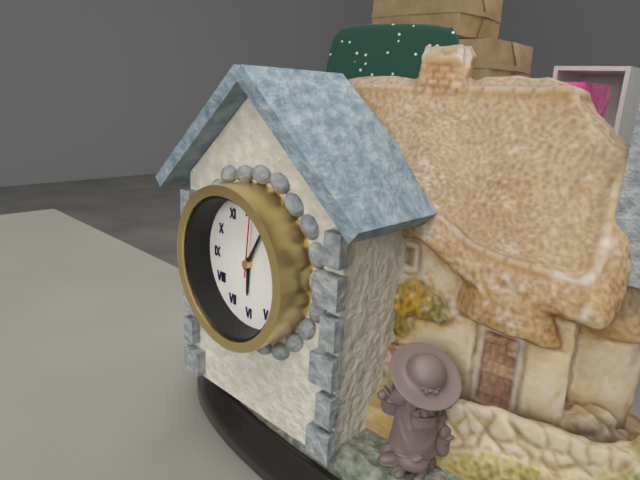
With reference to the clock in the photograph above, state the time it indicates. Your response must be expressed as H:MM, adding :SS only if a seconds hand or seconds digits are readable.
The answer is 6:05:01
